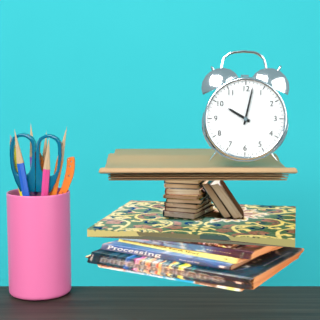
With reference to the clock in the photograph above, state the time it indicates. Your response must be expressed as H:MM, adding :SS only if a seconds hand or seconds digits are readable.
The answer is 10:02
